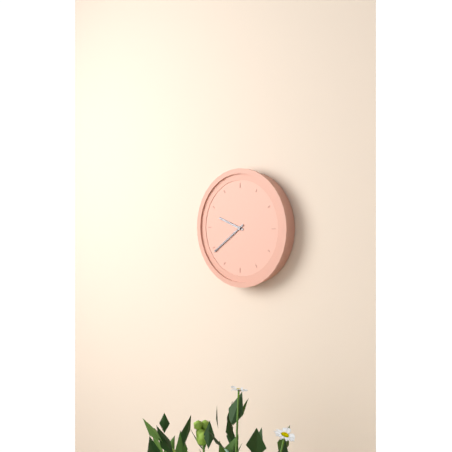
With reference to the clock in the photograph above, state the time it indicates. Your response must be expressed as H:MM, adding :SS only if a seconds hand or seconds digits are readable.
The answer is 9:39
